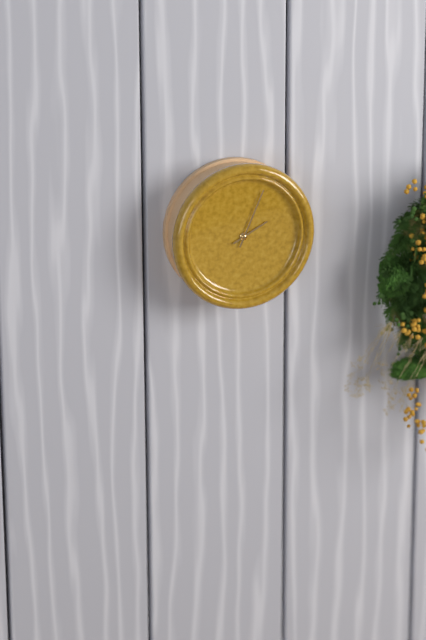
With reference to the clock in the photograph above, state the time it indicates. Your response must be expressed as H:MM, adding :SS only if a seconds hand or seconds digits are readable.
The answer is 2:04
